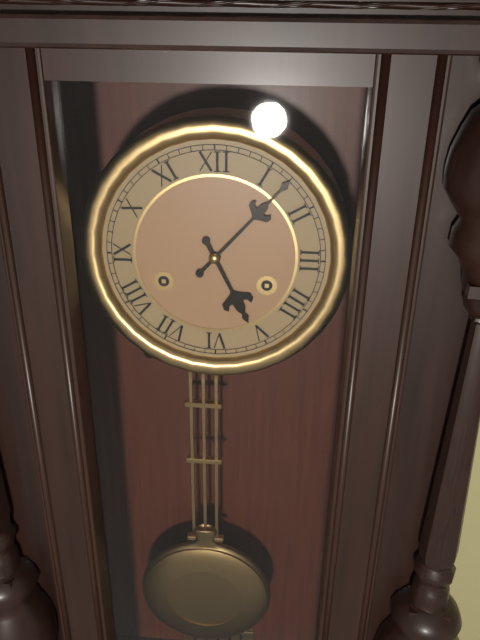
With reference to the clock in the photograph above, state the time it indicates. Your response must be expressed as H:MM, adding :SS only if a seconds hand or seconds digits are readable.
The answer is 5:07
